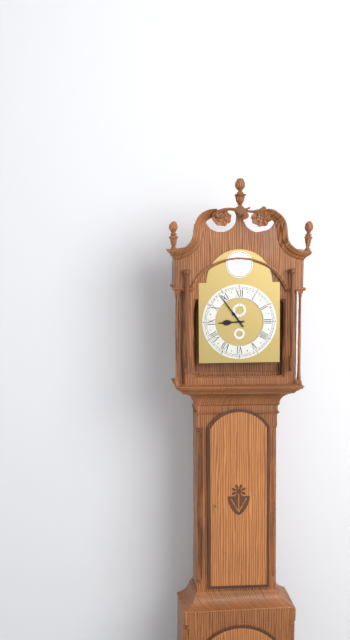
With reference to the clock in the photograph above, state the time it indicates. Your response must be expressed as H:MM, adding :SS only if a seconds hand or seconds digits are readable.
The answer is 8:54
